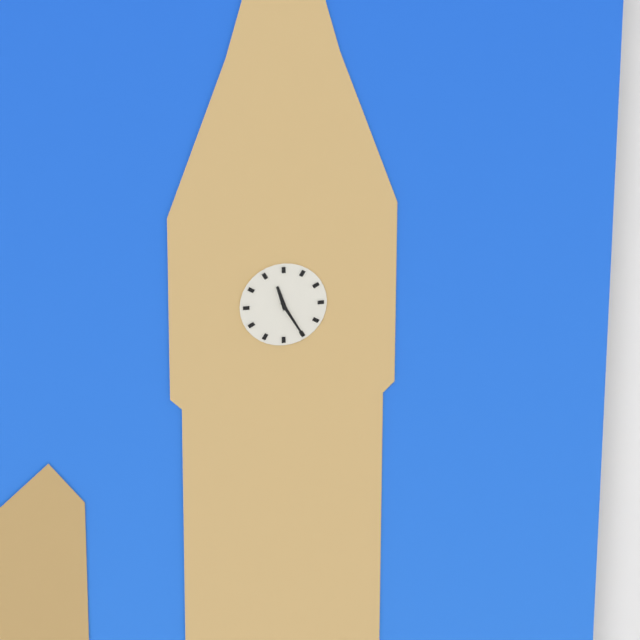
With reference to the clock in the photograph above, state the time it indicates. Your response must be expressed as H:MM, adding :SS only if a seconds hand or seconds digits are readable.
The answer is 11:25
